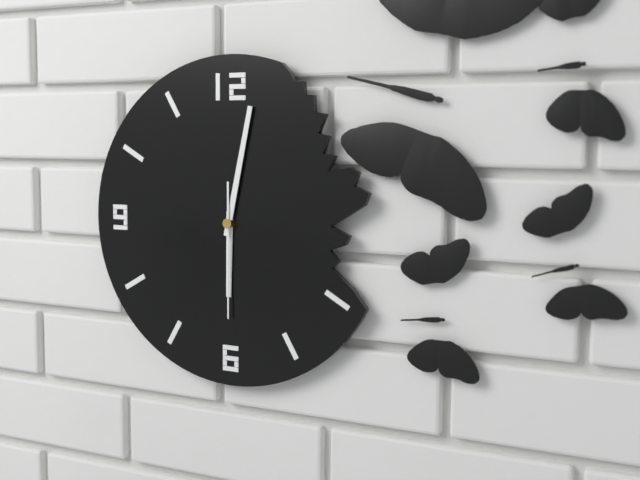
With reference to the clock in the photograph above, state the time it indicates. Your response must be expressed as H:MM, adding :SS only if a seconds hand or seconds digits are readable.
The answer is 6:02:30
